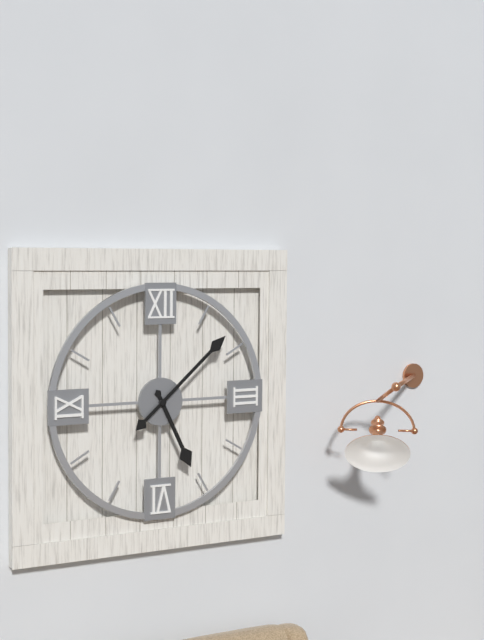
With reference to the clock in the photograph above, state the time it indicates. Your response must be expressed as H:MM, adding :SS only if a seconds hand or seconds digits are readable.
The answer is 5:08
